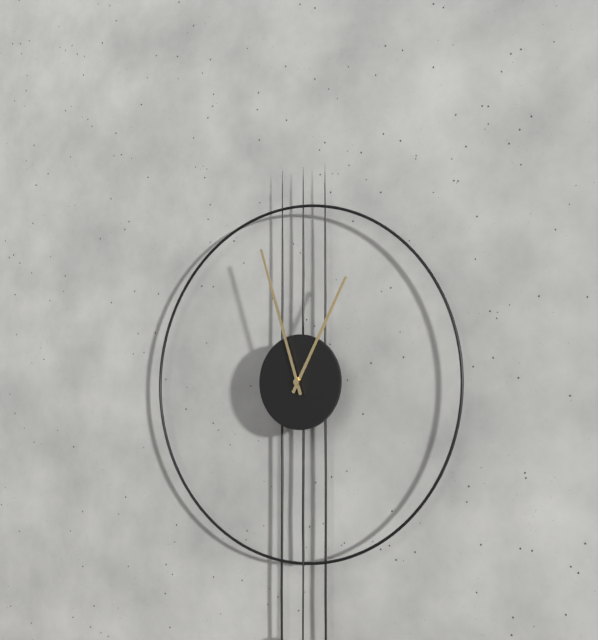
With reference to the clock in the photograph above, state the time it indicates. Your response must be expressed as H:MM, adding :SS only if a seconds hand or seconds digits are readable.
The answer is 12:57
